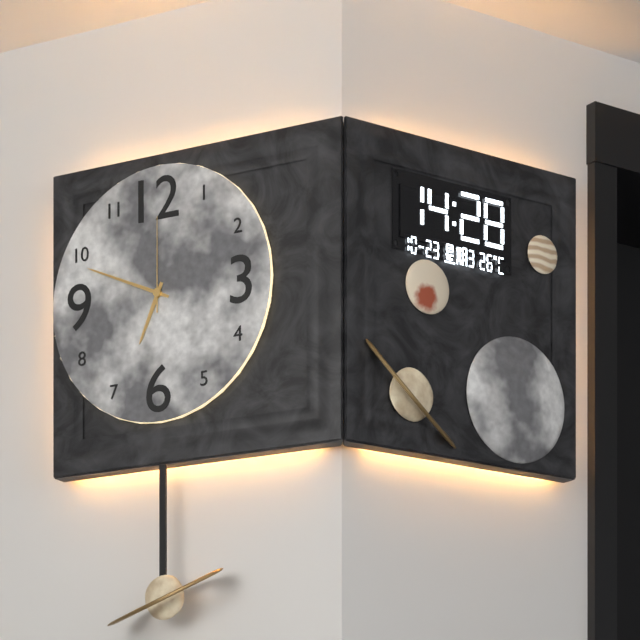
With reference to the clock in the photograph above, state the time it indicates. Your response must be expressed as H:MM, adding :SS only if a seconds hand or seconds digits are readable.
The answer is 6:49:00
